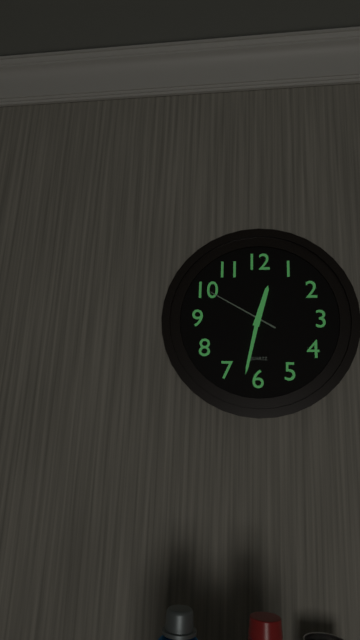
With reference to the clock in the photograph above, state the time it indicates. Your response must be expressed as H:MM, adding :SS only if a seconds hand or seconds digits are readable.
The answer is 12:32:50
